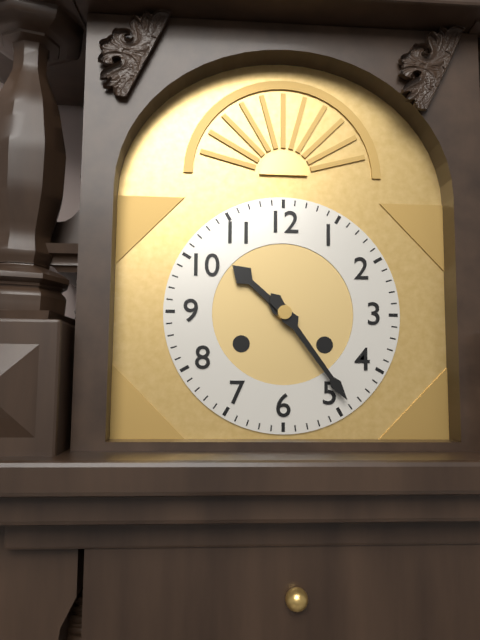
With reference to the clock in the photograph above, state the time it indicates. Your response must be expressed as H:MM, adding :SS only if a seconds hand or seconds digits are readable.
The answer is 10:24
